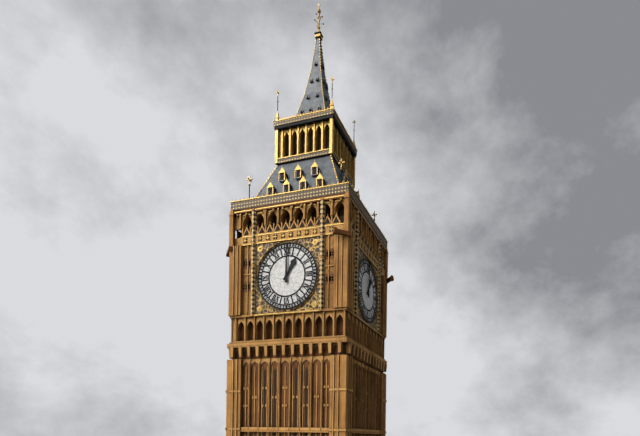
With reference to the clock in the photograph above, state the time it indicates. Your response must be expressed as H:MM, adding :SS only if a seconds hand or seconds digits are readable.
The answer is 1:00
